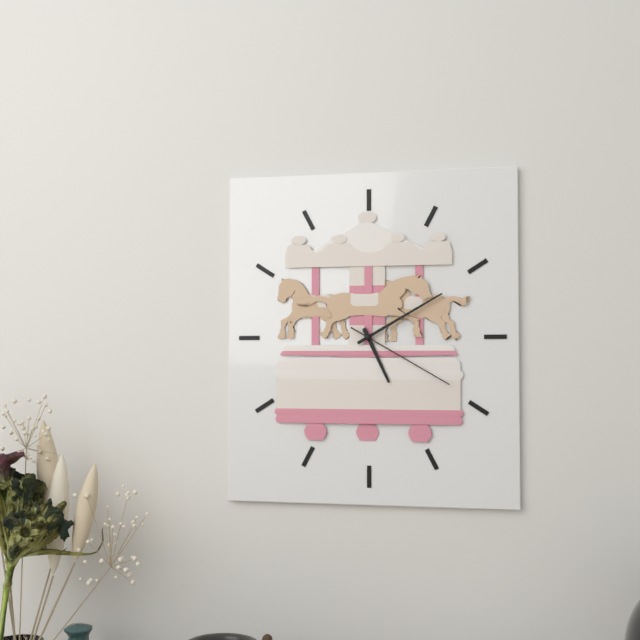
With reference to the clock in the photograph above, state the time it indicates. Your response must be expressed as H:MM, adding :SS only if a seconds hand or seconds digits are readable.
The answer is 5:10:20
